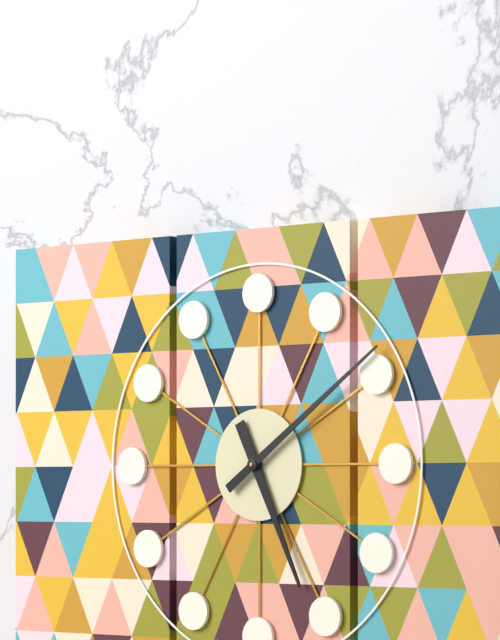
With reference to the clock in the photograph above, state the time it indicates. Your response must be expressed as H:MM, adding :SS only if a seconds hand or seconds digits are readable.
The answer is 5:09
